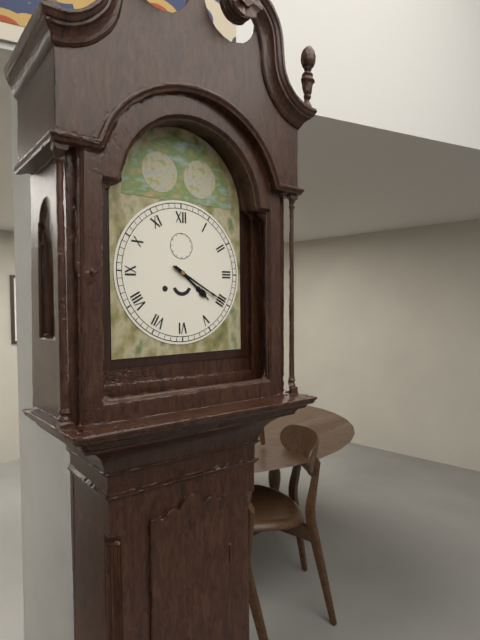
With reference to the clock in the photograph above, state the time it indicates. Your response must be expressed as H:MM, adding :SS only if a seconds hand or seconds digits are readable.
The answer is 4:20
